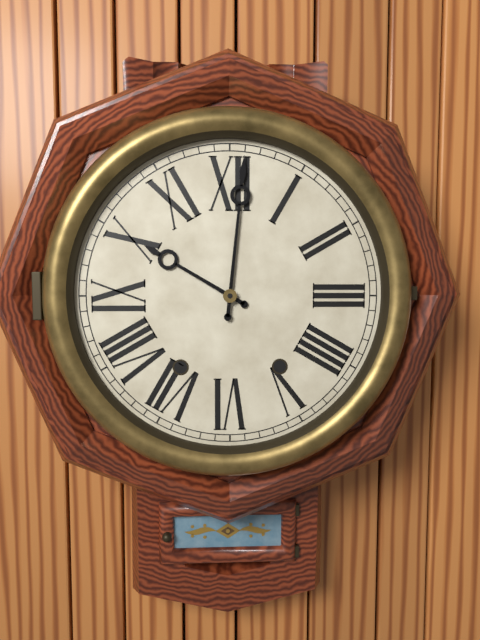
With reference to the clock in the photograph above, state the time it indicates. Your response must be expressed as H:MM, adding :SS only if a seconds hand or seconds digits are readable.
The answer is 10:01
